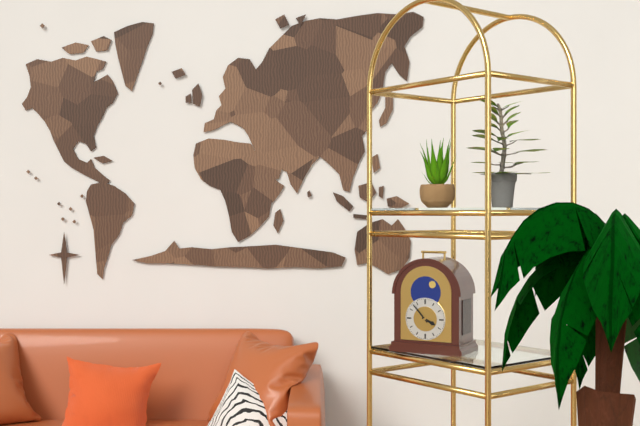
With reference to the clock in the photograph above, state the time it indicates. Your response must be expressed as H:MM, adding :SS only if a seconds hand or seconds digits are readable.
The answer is 3:53
